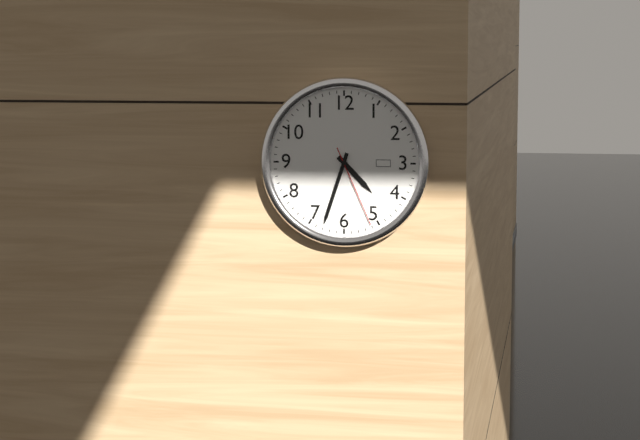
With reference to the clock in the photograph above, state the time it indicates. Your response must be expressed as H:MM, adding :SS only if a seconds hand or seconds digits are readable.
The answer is 4:33:26
